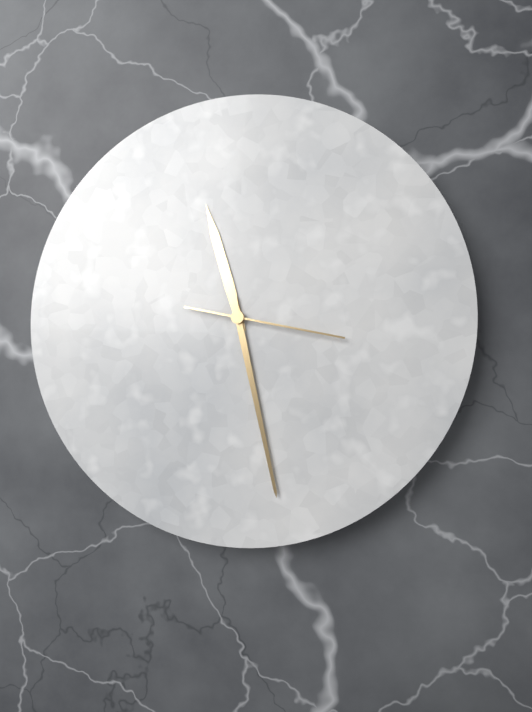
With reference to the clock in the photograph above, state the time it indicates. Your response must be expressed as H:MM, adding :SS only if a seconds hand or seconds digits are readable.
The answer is 11:28:17
